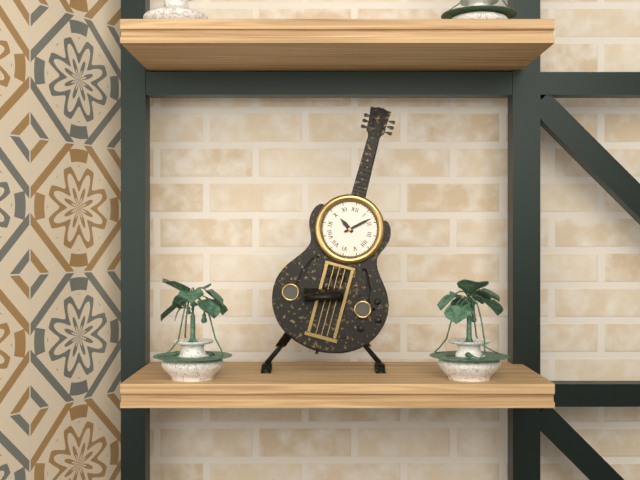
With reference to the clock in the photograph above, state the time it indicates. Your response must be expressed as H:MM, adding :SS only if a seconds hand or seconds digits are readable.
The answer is 10:08
